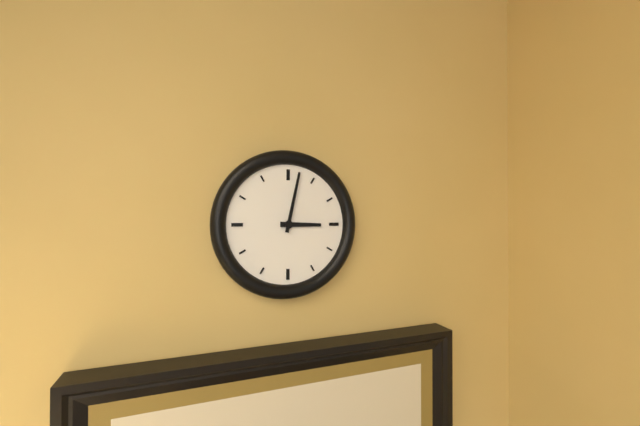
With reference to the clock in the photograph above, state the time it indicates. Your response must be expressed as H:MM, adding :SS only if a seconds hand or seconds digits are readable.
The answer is 3:02
